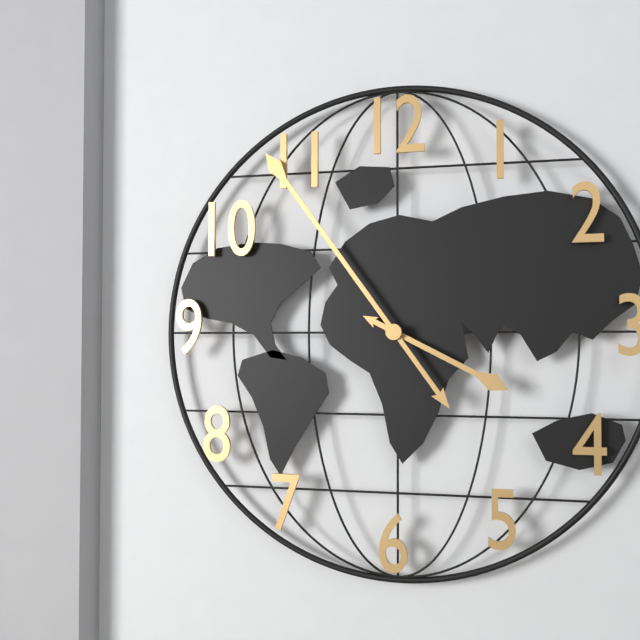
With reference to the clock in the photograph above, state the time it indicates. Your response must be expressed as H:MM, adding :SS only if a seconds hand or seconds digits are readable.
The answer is 3:54
